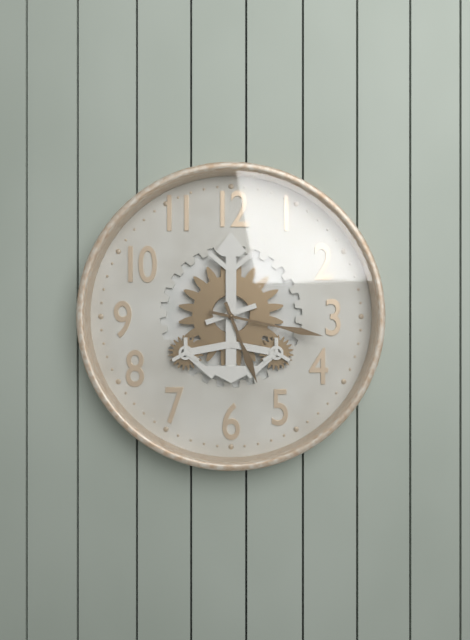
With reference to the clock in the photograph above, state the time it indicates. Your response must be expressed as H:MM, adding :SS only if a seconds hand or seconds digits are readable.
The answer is 5:17
